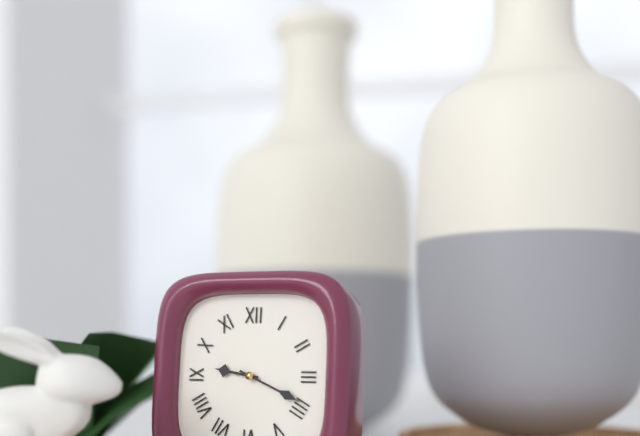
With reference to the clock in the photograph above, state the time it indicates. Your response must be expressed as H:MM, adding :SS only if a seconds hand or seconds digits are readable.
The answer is 9:19
